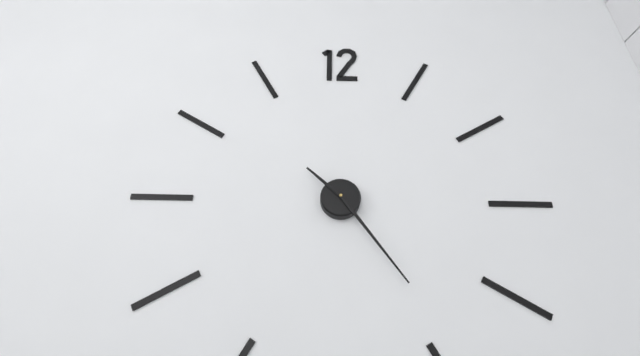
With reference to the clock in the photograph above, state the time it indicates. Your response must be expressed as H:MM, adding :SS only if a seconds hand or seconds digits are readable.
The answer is 10:24
